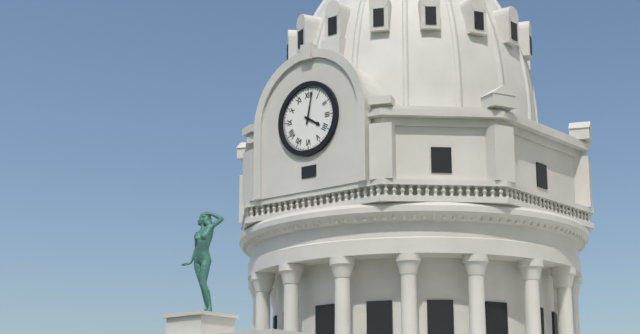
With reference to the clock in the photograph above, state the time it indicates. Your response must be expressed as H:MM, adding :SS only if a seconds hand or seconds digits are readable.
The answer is 4:02
